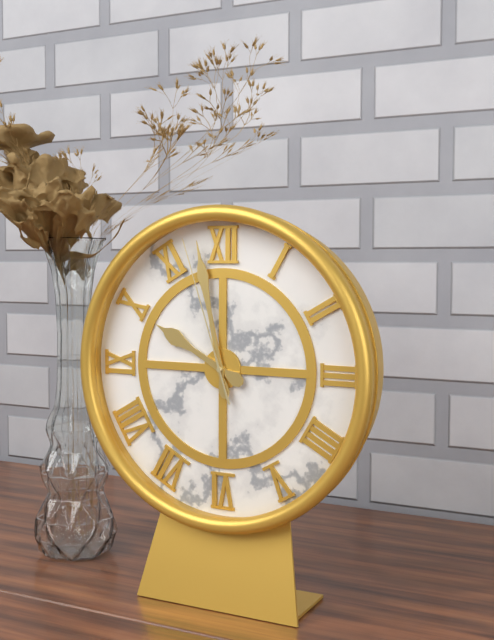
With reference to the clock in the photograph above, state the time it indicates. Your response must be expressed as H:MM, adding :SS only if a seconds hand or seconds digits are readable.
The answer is 9:58:57
